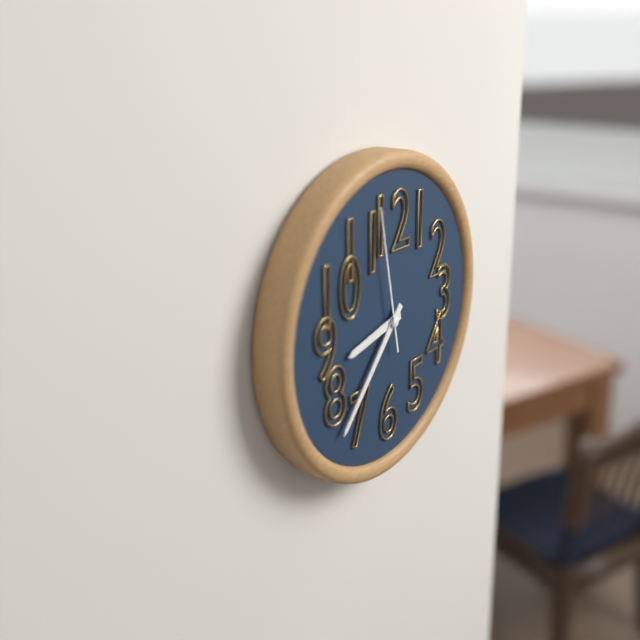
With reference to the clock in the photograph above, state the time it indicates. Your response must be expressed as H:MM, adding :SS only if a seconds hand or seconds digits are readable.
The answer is 8:37:58
